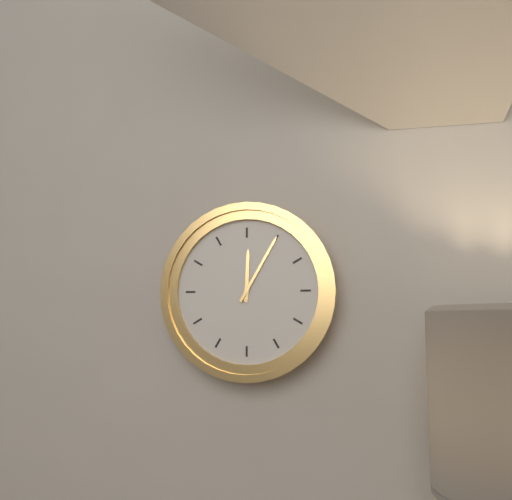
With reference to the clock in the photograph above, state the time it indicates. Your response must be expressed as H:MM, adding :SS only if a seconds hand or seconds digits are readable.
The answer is 12:05
